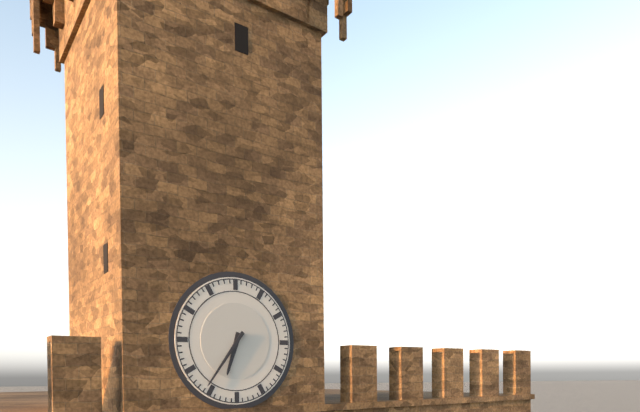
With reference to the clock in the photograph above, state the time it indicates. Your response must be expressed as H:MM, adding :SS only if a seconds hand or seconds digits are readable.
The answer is 6:36
